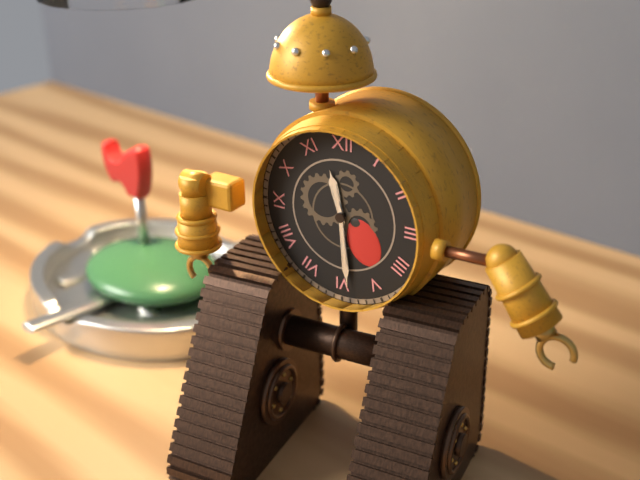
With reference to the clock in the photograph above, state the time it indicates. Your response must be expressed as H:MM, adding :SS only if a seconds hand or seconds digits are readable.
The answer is 11:29
